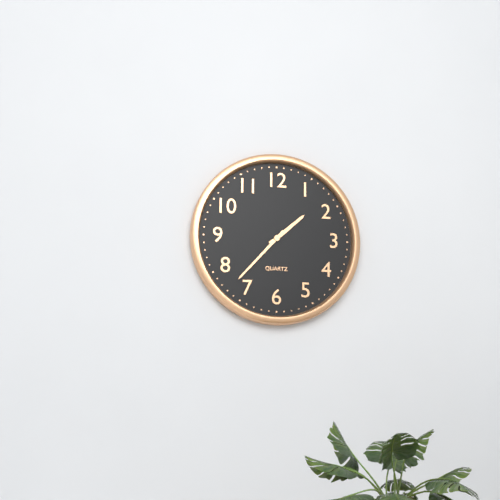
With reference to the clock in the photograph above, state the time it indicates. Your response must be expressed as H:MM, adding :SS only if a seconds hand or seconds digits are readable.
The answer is 1:37
